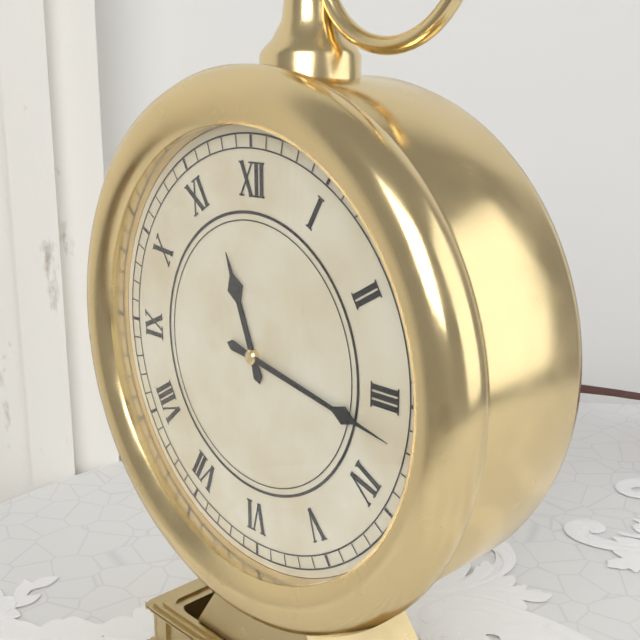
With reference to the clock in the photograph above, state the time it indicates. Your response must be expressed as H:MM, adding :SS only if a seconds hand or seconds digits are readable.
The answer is 11:17
